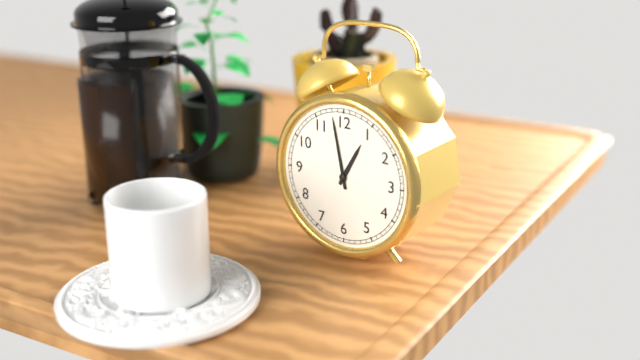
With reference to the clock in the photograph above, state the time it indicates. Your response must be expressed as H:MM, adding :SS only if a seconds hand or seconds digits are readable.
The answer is 12:58
